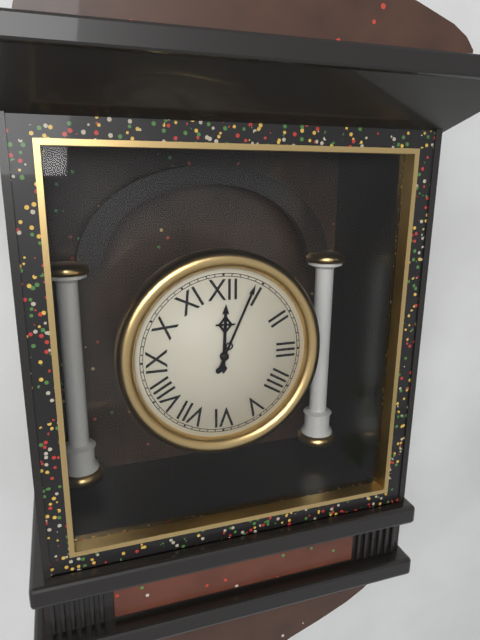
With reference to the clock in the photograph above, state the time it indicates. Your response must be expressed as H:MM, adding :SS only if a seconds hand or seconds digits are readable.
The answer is 12:04
